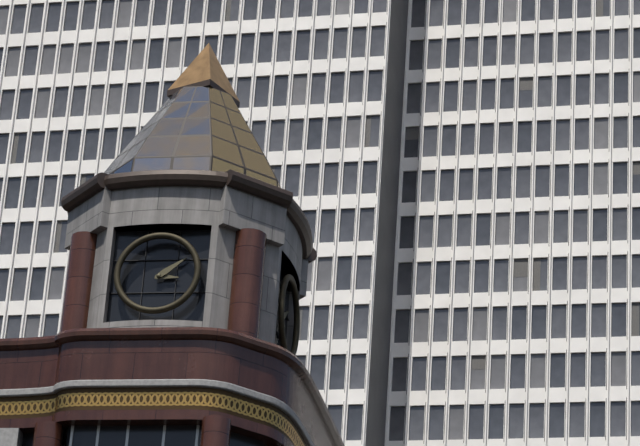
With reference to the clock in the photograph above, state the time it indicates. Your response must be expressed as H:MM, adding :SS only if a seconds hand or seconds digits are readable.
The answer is 3:09
